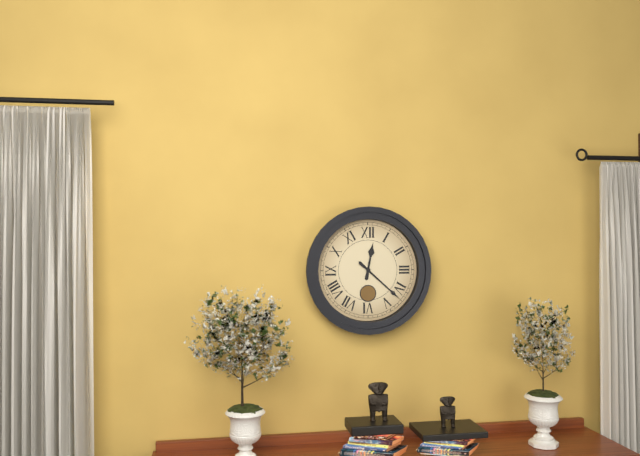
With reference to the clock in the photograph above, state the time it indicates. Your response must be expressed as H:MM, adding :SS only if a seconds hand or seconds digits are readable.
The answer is 12:22
